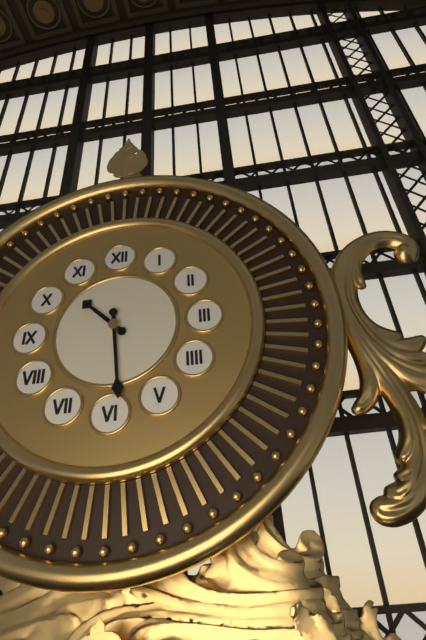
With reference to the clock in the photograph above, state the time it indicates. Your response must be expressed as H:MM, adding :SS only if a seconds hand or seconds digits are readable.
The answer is 10:29
